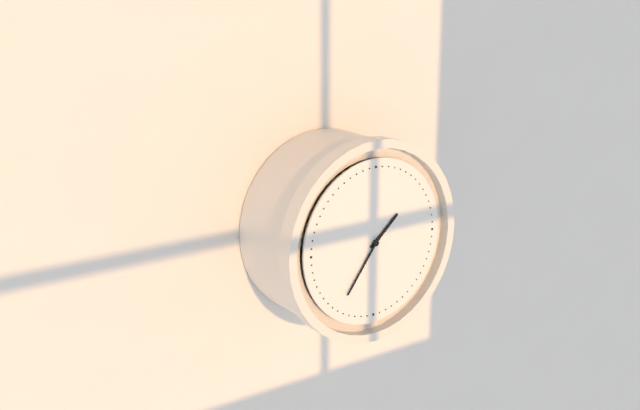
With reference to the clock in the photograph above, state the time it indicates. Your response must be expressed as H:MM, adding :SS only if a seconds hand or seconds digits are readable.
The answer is 1:36
